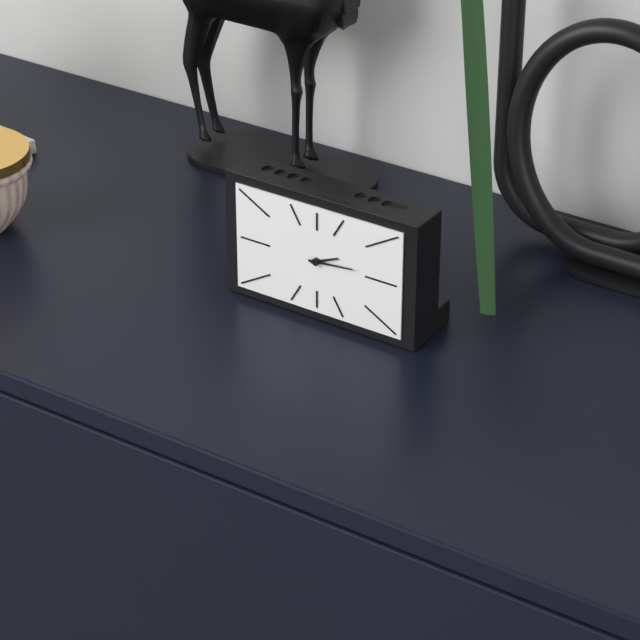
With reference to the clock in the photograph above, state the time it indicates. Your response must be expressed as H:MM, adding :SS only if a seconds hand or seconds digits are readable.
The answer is 2:14
